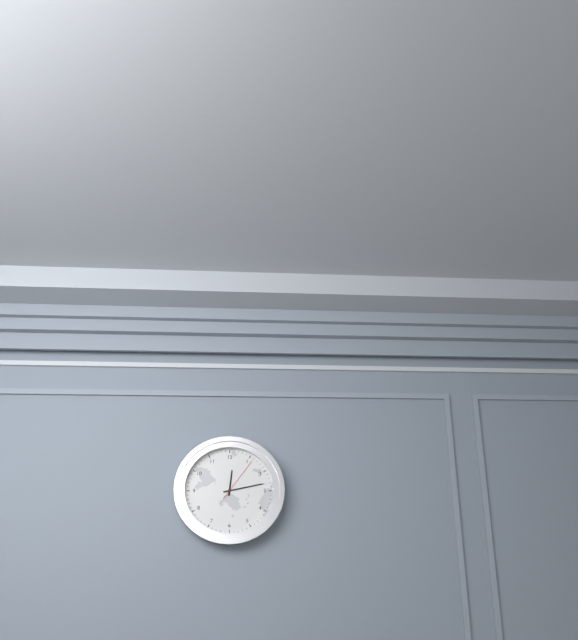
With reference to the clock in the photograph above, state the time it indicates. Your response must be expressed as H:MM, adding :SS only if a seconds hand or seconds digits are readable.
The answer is 12:13
